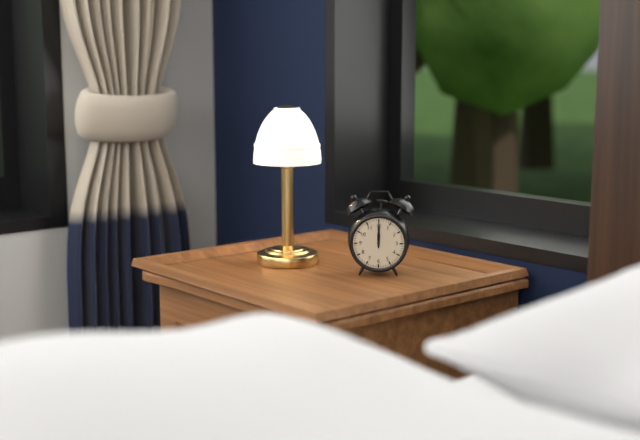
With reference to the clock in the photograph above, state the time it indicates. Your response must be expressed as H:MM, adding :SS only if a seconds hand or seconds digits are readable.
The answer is 12:00
